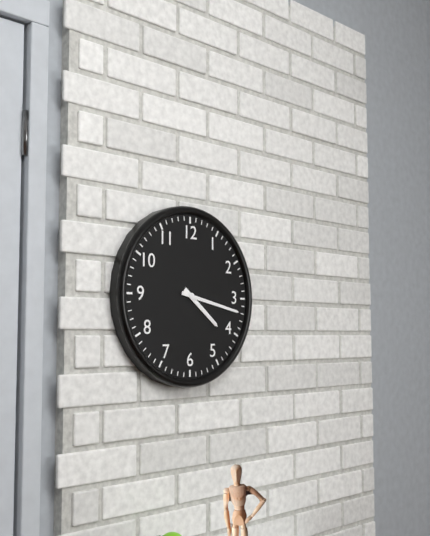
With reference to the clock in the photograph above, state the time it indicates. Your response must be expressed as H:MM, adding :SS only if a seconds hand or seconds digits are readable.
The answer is 4:17
